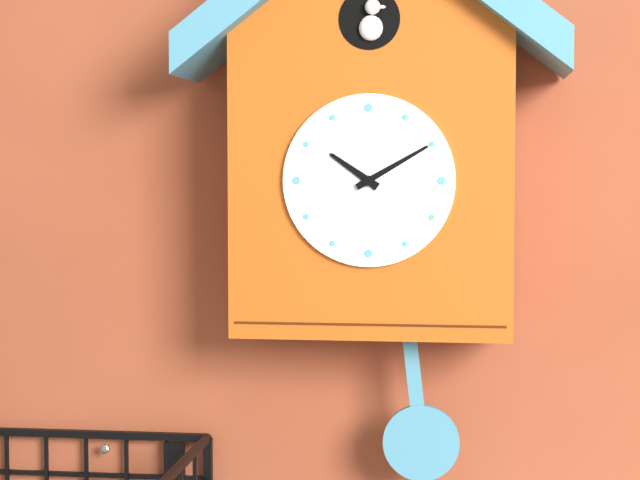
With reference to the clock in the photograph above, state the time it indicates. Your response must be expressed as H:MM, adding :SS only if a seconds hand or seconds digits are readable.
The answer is 10:10
